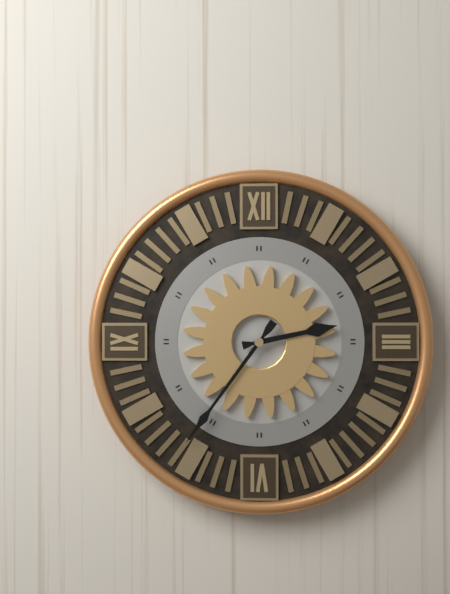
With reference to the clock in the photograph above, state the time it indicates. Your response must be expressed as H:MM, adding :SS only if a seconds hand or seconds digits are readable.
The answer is 2:36
